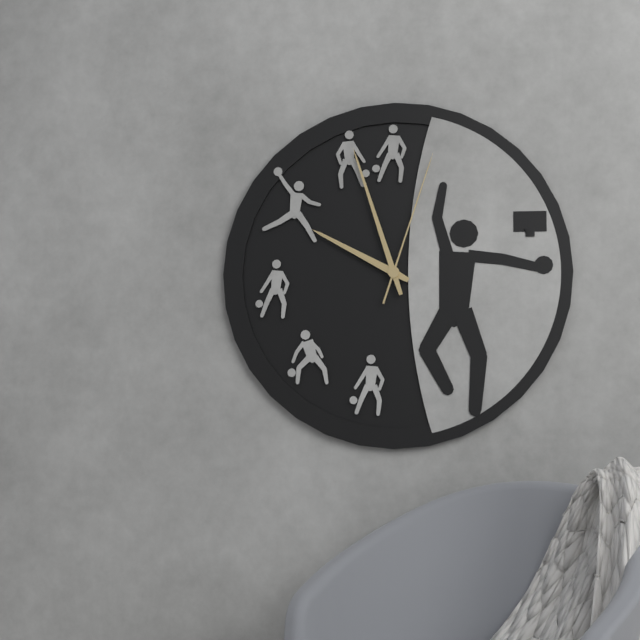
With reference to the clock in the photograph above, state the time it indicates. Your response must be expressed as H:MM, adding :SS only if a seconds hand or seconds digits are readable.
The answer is 9:57:03
